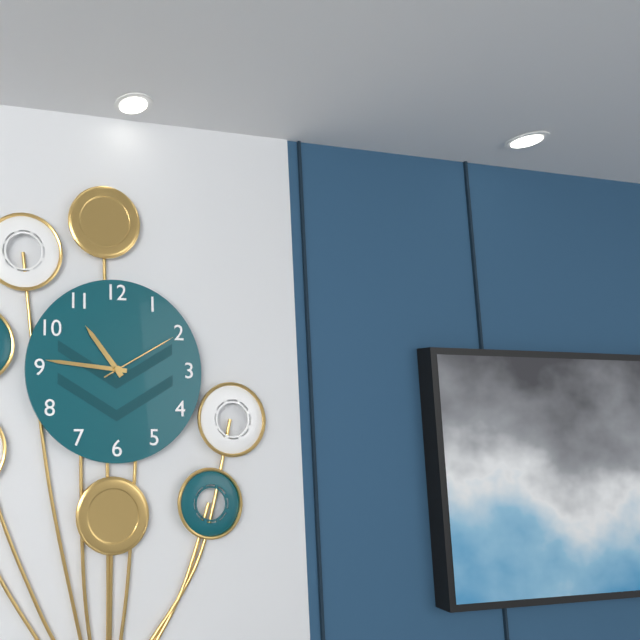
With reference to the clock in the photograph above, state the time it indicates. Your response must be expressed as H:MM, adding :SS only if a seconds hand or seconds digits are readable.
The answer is 10:46:10
